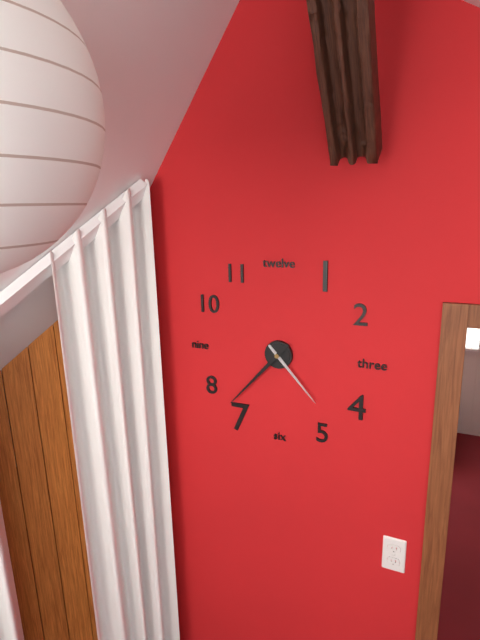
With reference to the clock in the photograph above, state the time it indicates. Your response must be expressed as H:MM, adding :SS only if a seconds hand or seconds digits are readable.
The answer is 4:37
